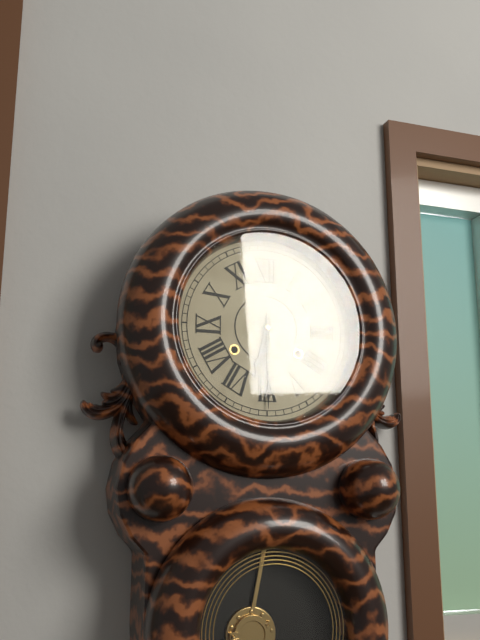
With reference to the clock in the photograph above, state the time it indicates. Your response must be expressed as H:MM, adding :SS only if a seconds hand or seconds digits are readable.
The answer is 6:30
